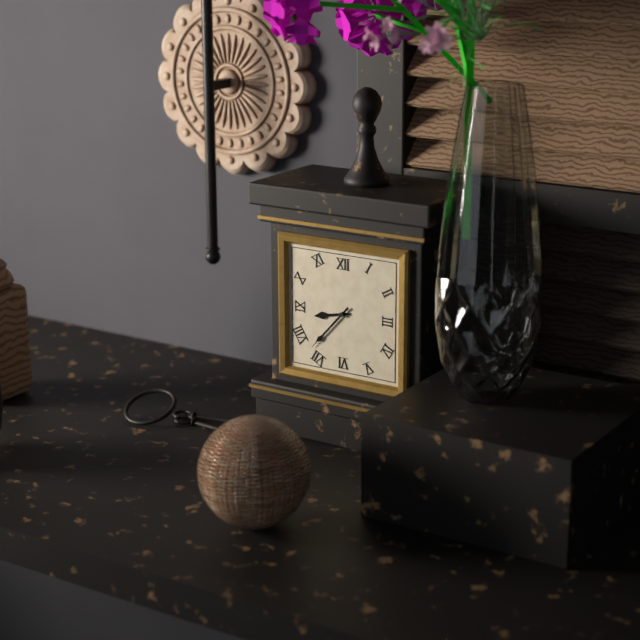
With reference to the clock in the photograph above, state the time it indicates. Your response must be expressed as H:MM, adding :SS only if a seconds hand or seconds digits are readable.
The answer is 8:37
